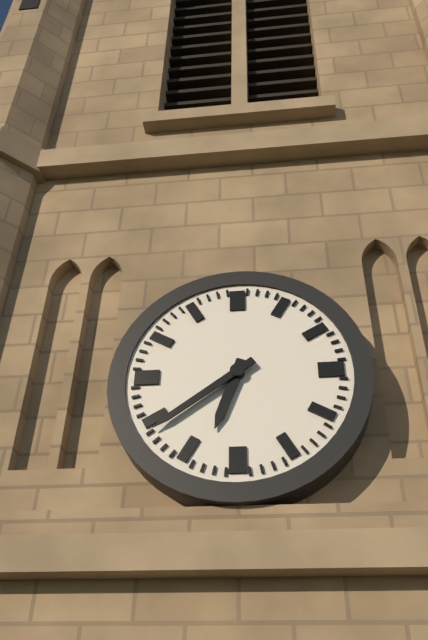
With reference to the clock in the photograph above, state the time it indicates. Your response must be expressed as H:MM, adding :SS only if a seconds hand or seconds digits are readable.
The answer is 6:39
